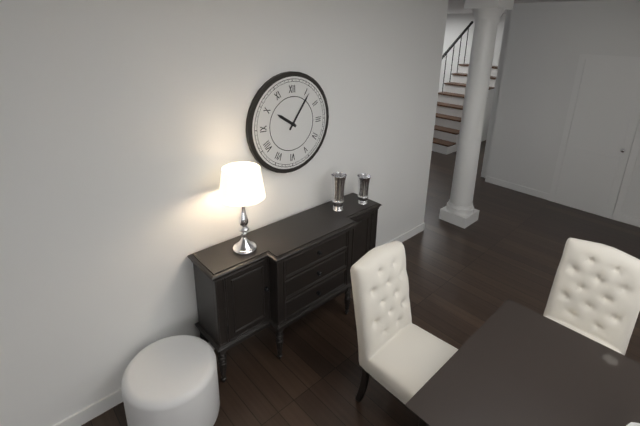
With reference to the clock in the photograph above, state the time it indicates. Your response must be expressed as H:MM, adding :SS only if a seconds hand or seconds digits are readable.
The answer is 10:06
